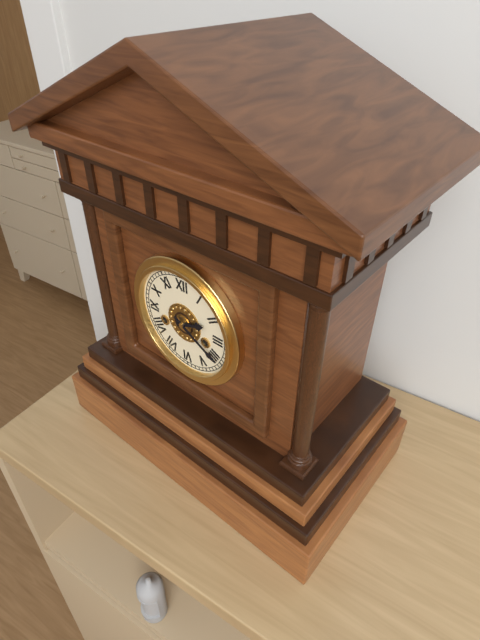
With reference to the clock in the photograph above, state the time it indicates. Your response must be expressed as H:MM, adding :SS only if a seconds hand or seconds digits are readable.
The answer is 2:20
